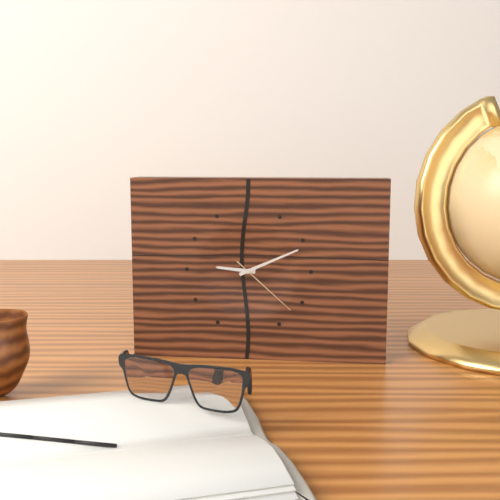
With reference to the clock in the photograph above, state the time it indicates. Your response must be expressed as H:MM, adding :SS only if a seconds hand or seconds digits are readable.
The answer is 9:11:22
